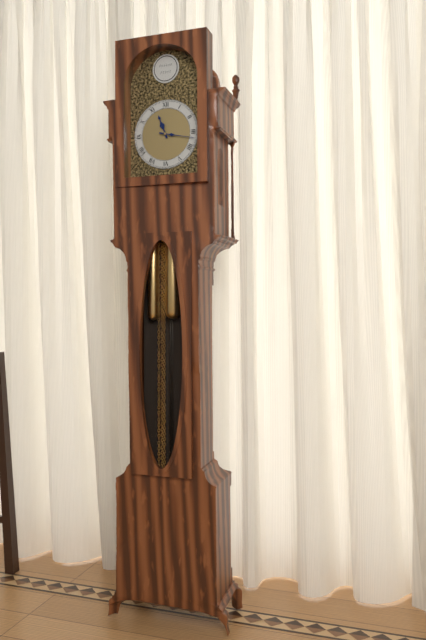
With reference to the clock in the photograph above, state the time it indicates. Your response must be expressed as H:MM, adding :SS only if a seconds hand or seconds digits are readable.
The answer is 11:17
